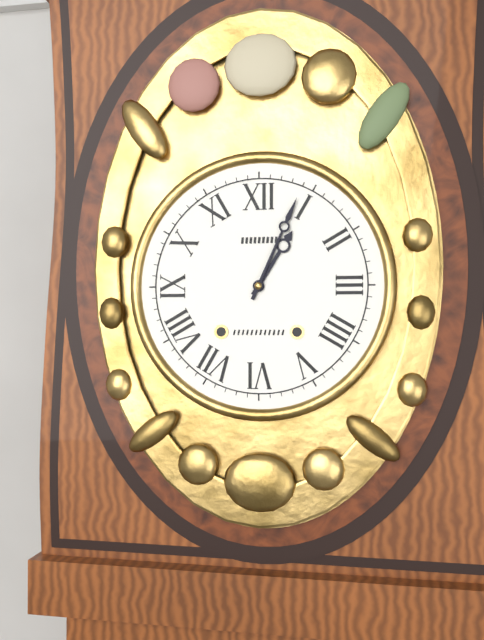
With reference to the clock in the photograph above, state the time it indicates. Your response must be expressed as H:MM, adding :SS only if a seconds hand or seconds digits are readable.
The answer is 1:04
